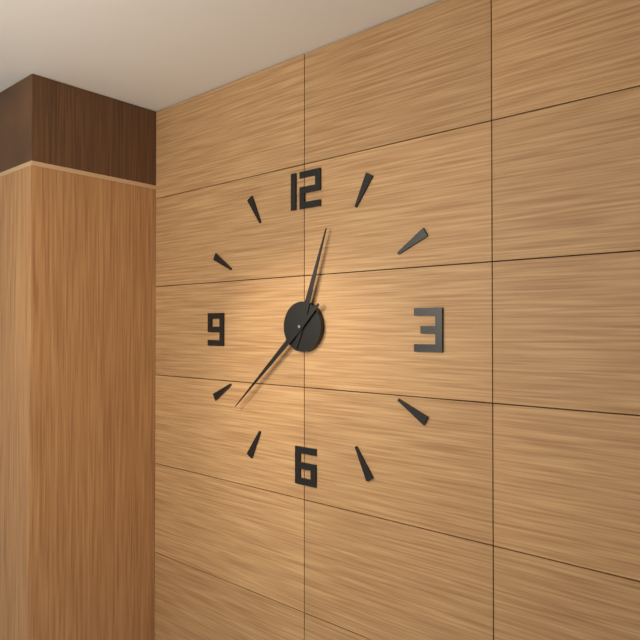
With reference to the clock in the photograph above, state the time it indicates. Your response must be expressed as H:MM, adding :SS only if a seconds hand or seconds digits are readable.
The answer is 12:38
